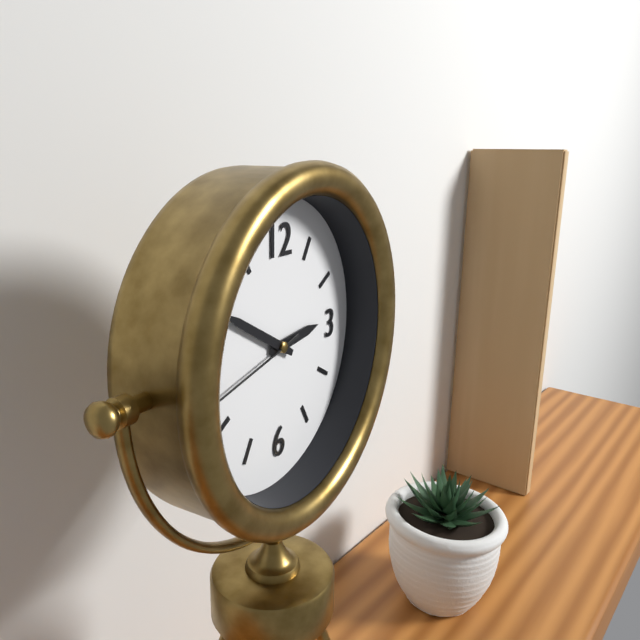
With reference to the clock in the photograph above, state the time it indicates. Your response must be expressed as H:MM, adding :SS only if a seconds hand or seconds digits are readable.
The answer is 2:50:43
